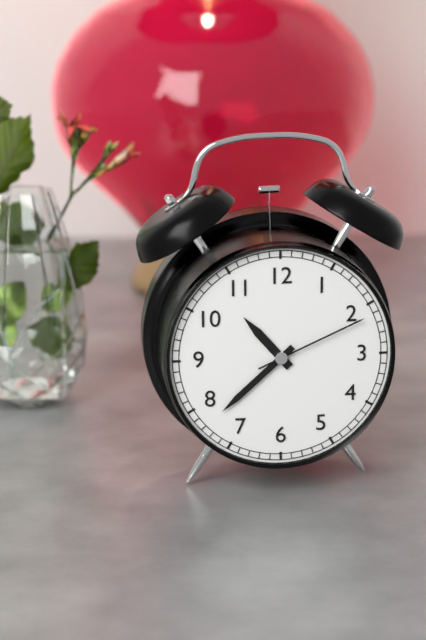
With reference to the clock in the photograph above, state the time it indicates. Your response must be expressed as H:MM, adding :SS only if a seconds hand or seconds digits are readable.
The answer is 10:38:11
